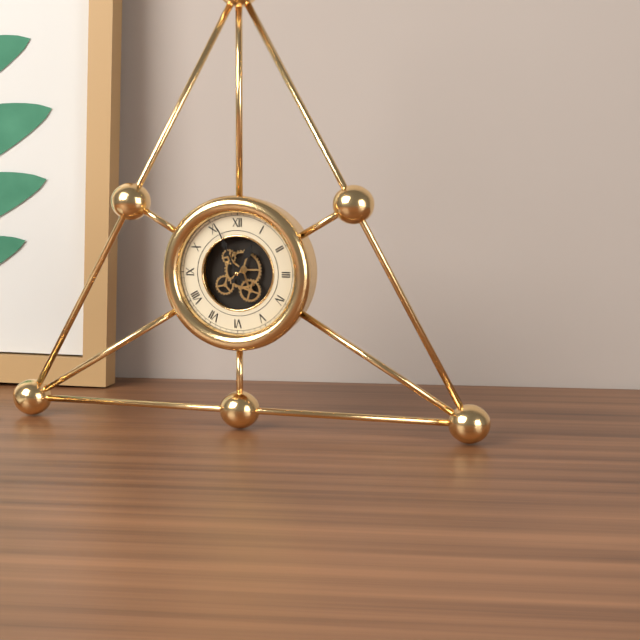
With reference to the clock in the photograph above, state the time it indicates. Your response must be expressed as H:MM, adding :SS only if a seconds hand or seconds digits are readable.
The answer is 12:56
